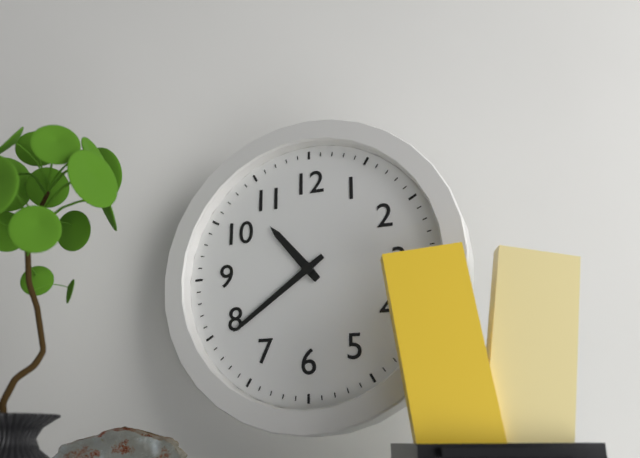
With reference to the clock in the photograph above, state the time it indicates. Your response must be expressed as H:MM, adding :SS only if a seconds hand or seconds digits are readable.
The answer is 10:39
